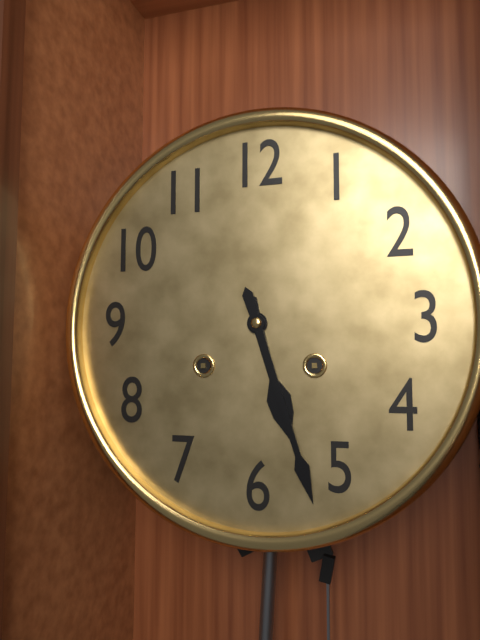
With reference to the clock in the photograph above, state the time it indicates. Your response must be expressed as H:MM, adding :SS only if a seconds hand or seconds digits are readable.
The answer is 5:27
